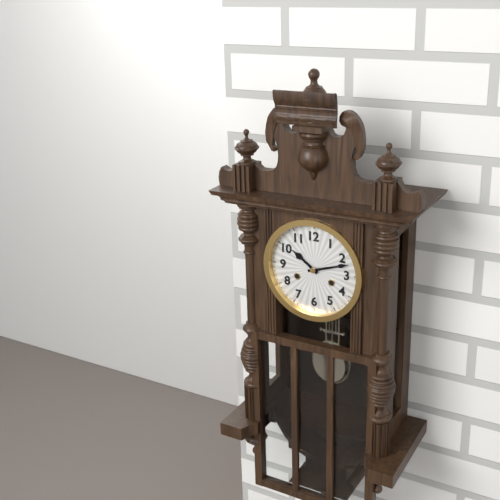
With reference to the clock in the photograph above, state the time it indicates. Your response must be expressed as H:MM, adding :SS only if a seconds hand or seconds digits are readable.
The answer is 10:12
